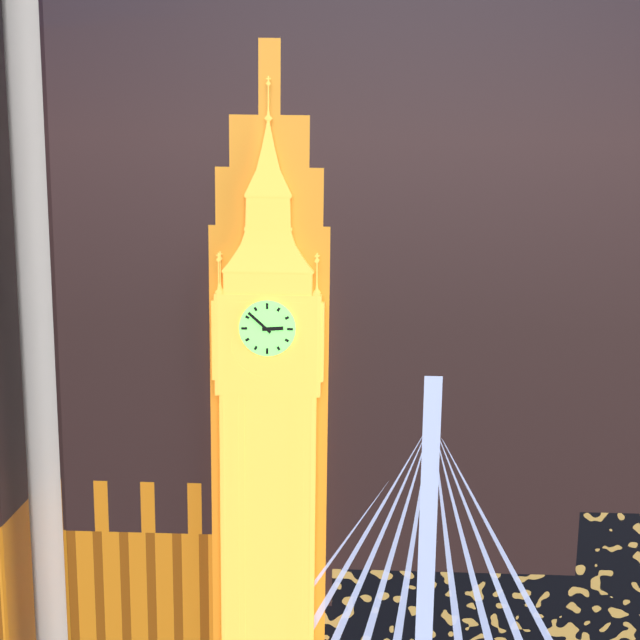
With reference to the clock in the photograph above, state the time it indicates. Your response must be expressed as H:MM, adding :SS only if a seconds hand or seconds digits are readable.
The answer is 2:52
